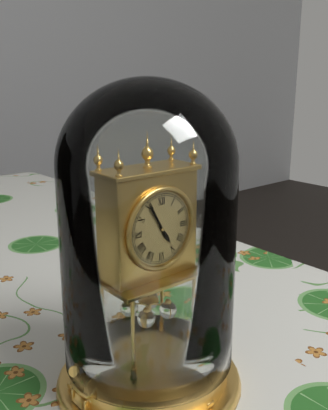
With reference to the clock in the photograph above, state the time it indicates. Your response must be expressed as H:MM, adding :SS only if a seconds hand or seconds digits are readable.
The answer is 4:55
